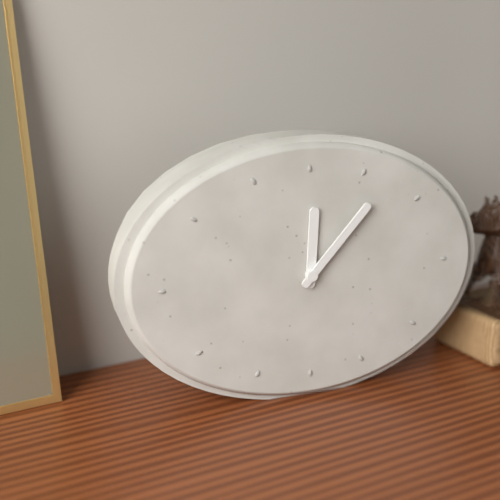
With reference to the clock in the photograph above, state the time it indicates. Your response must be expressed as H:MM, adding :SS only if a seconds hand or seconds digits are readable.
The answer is 12:07
